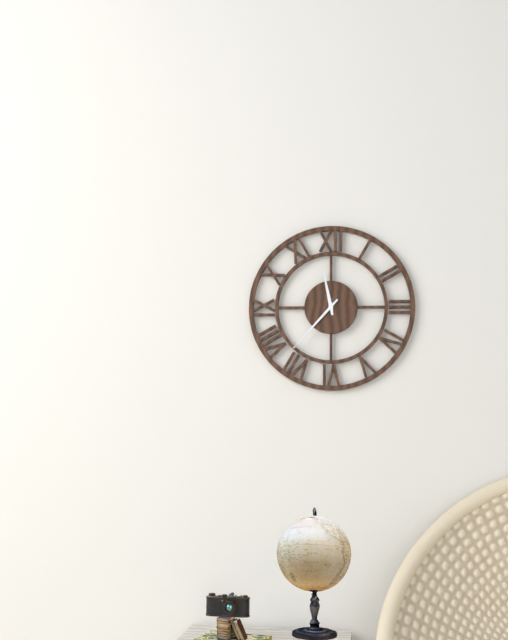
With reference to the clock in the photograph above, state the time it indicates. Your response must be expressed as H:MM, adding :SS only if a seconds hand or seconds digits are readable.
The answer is 11:37
